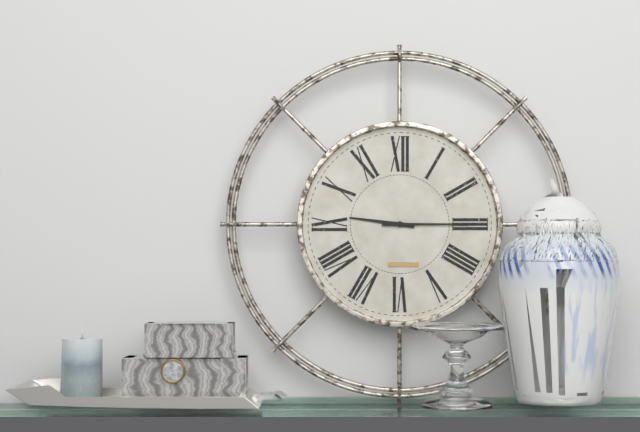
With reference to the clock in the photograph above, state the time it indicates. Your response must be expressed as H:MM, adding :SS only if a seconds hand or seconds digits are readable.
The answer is 9:15
